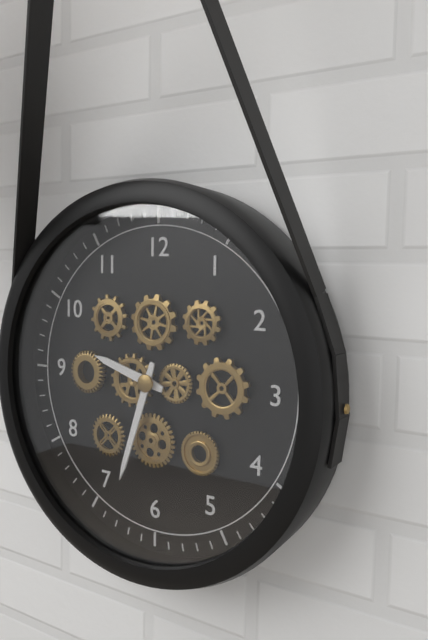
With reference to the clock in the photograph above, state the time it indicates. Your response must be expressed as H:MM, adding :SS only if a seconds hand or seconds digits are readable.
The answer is 9:33
